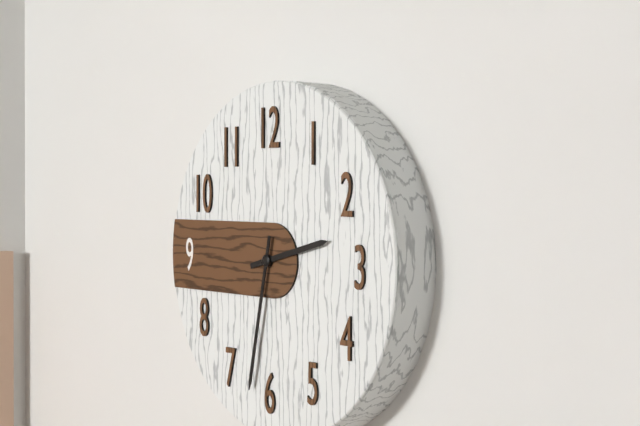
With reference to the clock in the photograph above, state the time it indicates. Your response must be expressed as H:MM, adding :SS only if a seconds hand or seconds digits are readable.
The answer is 2:32
